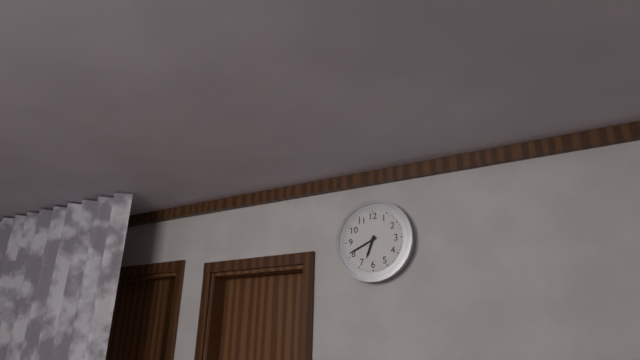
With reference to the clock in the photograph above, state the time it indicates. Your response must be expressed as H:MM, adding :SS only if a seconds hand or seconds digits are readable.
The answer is 6:41
